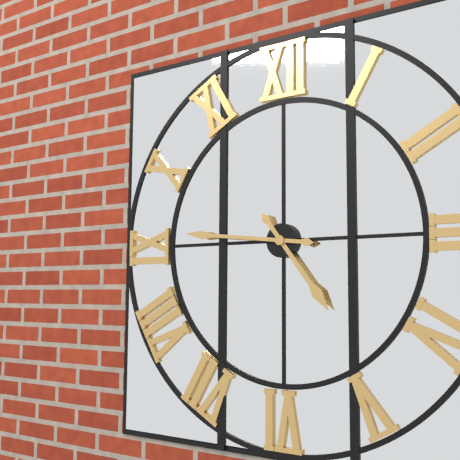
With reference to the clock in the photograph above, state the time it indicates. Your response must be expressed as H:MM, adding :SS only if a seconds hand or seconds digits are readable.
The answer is 4:46
